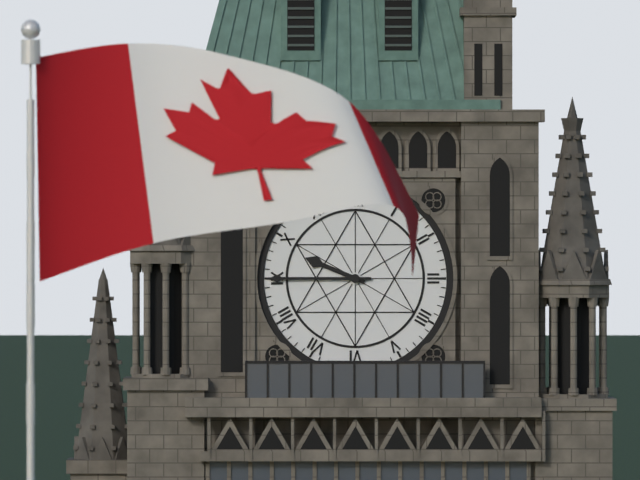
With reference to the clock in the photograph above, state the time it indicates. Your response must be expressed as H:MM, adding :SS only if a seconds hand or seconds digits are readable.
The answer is 9:45
